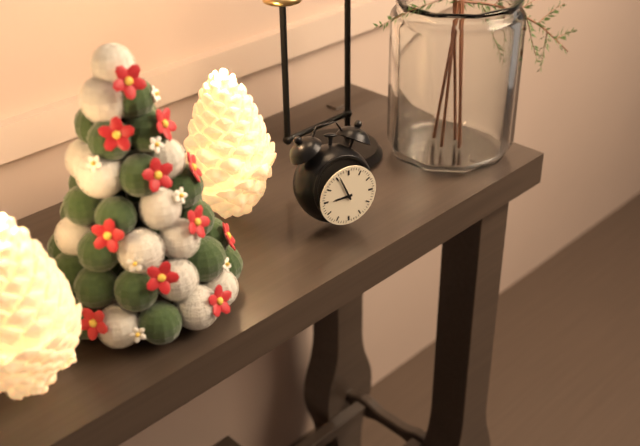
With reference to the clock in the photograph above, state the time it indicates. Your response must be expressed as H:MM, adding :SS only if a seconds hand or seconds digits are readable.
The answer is 8:56
